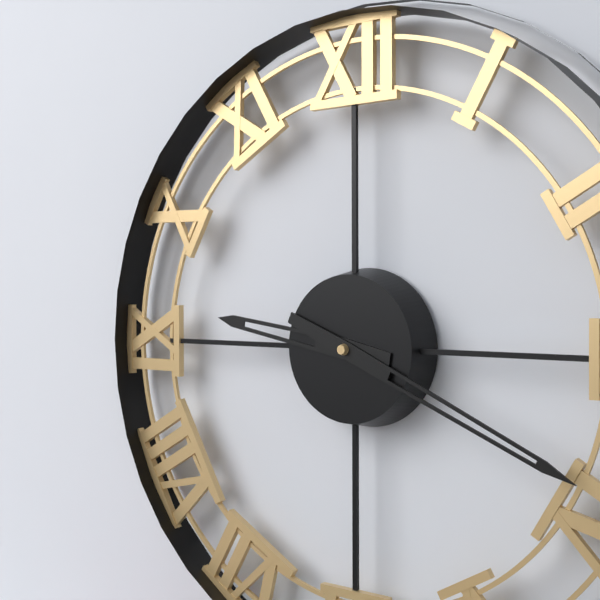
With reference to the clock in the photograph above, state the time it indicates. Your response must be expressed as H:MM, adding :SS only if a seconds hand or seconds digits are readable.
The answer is 9:19
